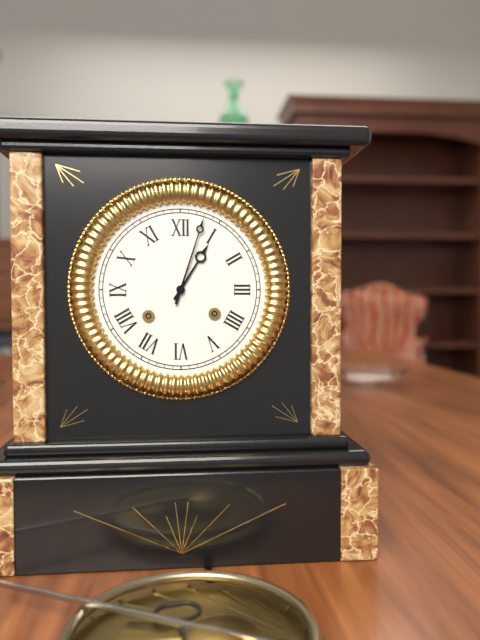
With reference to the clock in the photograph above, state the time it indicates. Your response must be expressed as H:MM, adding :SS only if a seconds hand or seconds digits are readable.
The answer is 1:03
